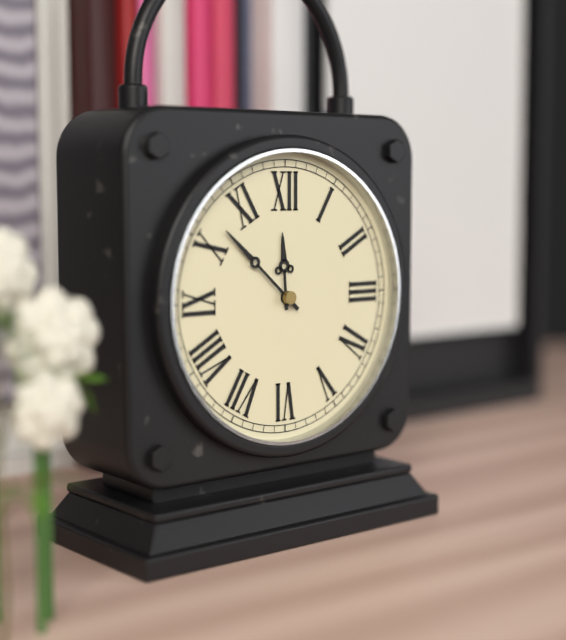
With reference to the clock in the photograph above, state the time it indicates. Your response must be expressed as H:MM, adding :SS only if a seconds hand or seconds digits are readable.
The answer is 11:52
